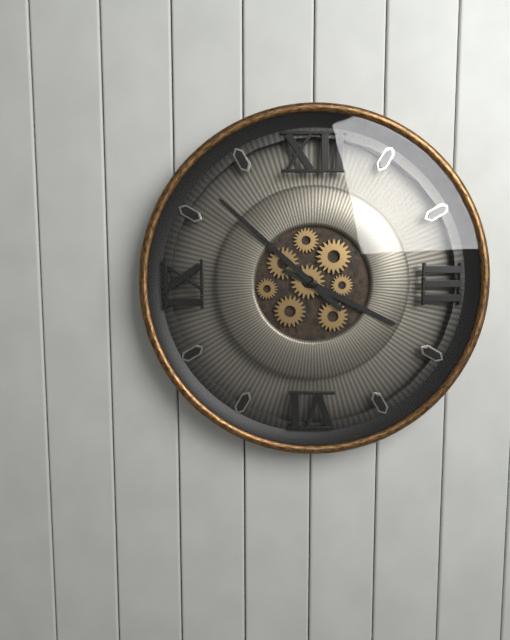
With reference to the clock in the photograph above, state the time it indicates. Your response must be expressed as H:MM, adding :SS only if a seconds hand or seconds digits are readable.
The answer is 3:52
